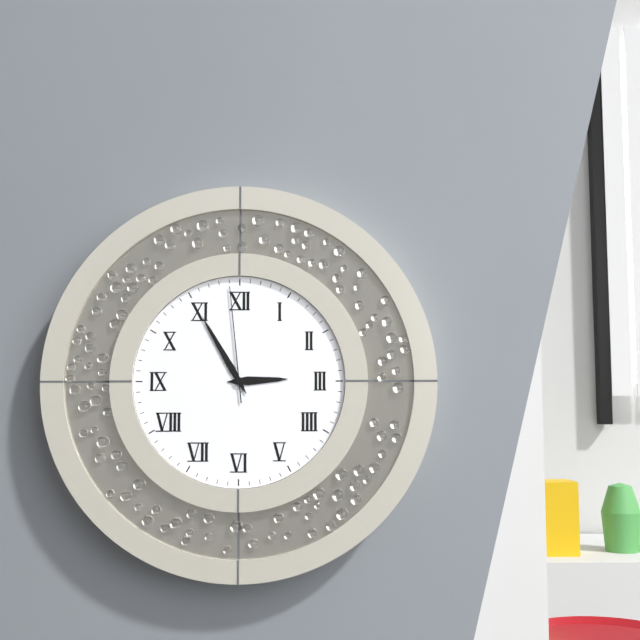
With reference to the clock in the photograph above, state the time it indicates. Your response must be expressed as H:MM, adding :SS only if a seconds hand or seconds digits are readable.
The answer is 2:55:59
